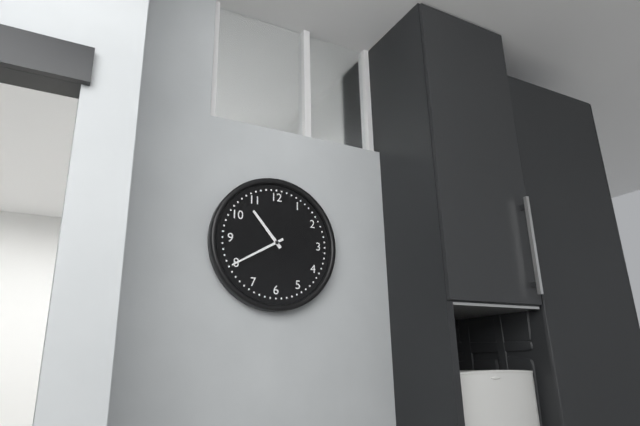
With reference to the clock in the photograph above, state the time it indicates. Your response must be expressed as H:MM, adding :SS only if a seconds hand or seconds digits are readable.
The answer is 10:40
